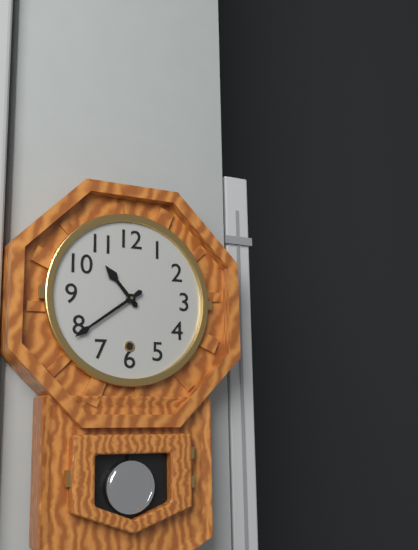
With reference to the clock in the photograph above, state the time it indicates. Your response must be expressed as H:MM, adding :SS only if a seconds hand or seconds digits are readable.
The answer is 10:39
